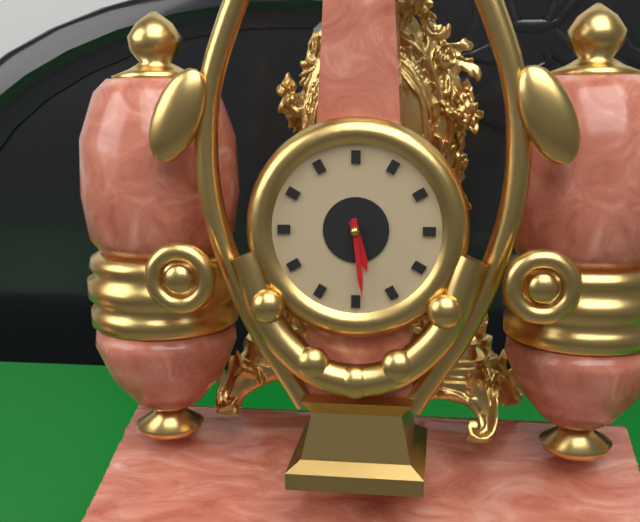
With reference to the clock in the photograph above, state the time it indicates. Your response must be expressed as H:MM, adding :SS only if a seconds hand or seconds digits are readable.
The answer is 5:29
